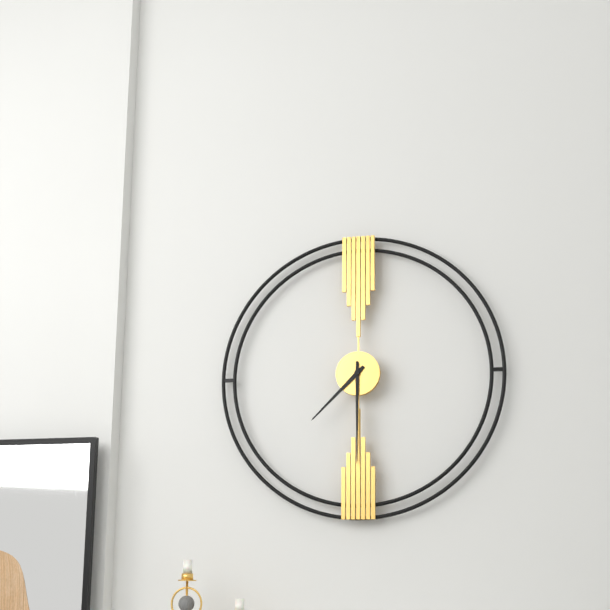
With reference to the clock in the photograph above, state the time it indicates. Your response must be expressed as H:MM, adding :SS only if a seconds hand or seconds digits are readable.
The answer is 7:30
